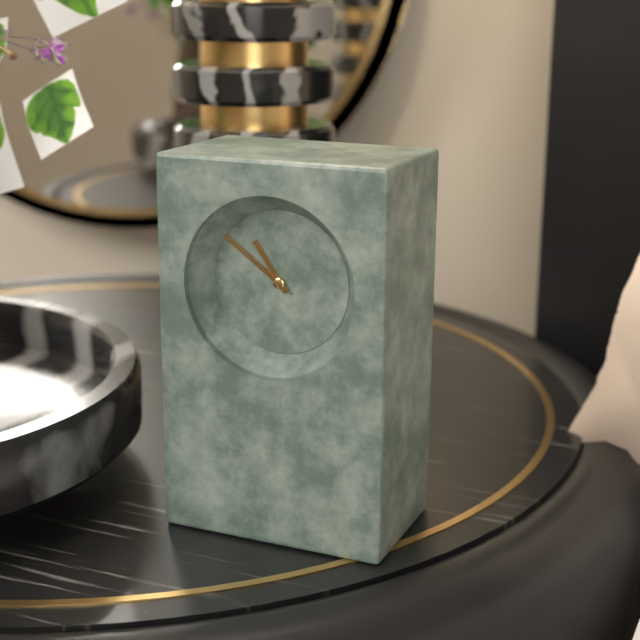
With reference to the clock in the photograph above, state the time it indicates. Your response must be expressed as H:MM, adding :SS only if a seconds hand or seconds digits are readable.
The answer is 10:51
